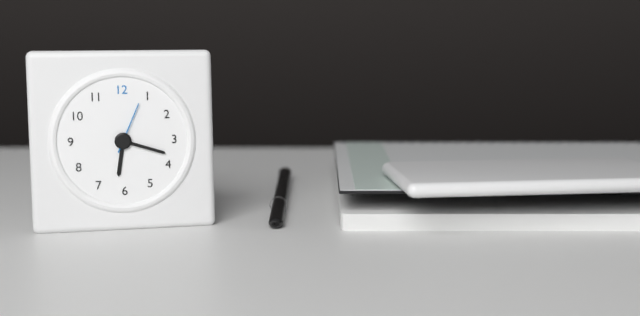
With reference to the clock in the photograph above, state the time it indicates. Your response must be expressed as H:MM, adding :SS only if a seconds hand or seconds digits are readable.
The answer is 6:18:04
